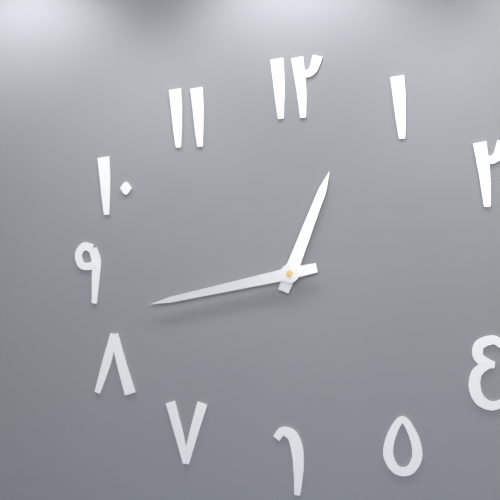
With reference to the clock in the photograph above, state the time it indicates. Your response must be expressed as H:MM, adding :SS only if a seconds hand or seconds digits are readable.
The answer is 12:43
